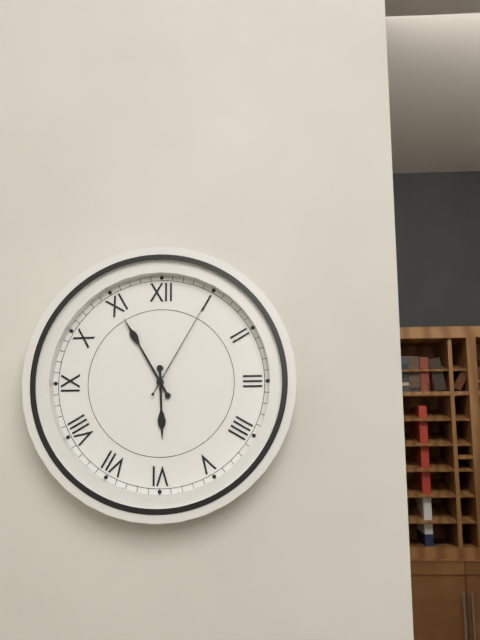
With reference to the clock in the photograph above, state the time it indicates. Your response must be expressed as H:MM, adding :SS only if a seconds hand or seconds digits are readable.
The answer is 5:55:05
